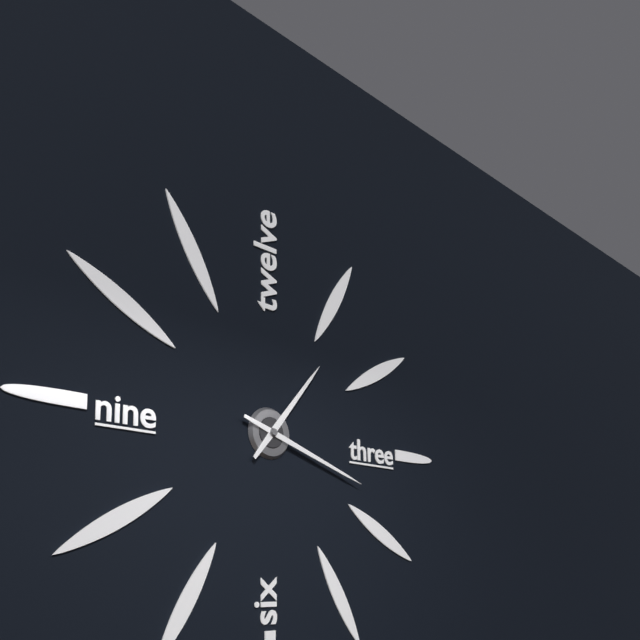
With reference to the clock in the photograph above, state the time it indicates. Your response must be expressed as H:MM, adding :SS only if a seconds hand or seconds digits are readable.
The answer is 1:18
